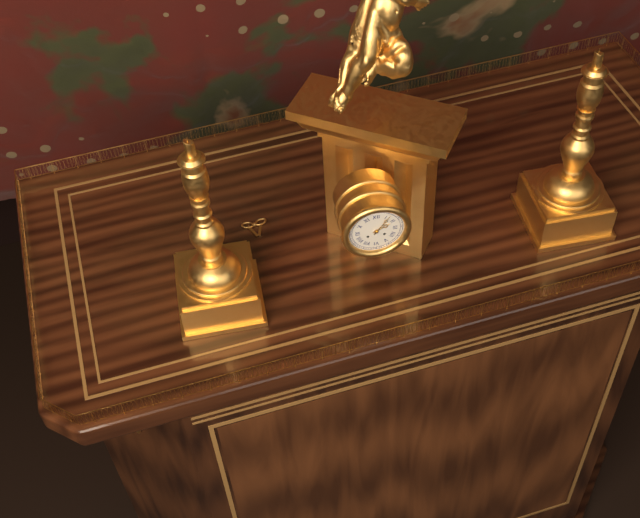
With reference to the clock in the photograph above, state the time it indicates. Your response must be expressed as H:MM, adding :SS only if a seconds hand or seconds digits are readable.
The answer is 2:06
